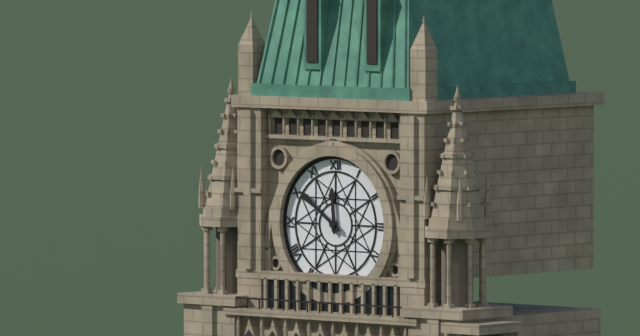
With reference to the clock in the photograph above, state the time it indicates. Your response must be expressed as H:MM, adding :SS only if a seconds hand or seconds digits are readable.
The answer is 11:51
